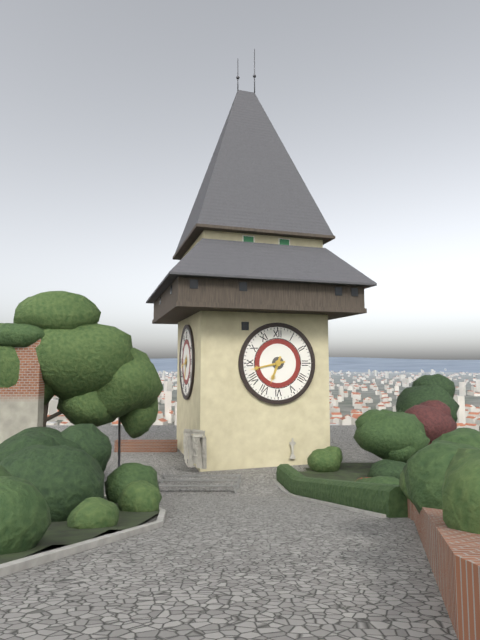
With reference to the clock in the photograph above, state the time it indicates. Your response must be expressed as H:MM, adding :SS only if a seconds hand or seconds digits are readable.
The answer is 6:43
